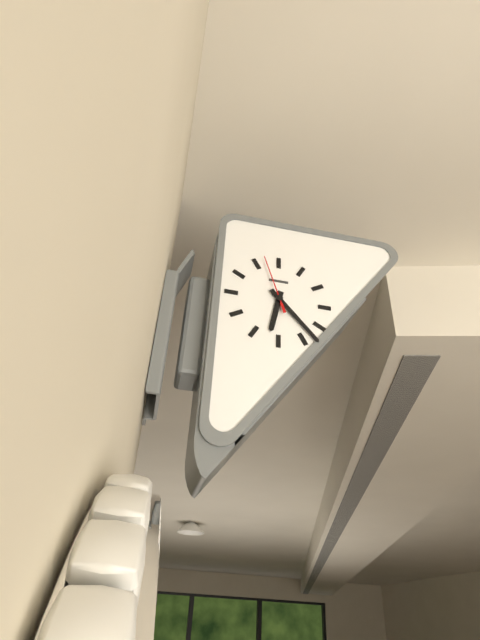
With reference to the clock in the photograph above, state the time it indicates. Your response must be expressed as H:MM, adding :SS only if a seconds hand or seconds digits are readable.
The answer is 6:23:57
